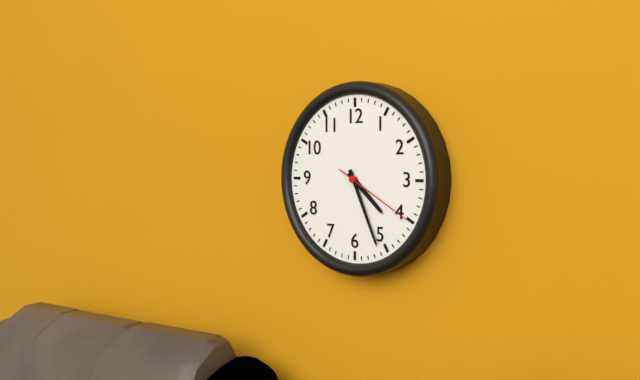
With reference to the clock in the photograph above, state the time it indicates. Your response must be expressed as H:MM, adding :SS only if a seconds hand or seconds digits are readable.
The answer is 4:26:20
